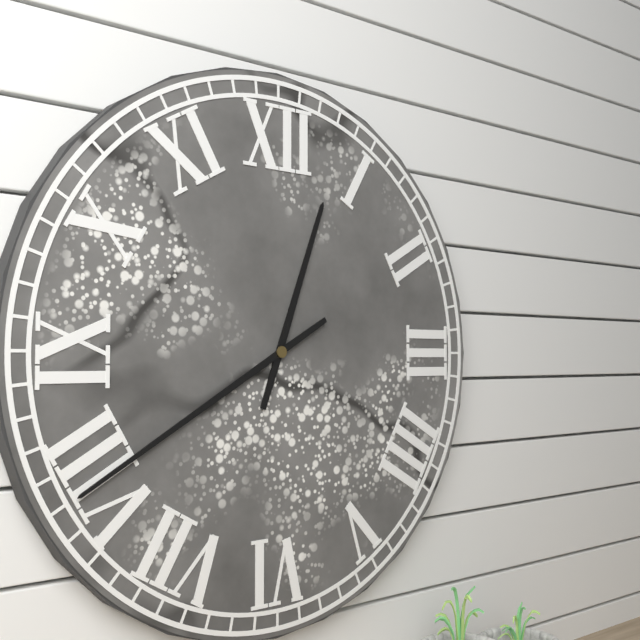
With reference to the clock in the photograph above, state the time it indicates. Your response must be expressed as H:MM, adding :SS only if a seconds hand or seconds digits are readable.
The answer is 12:40
